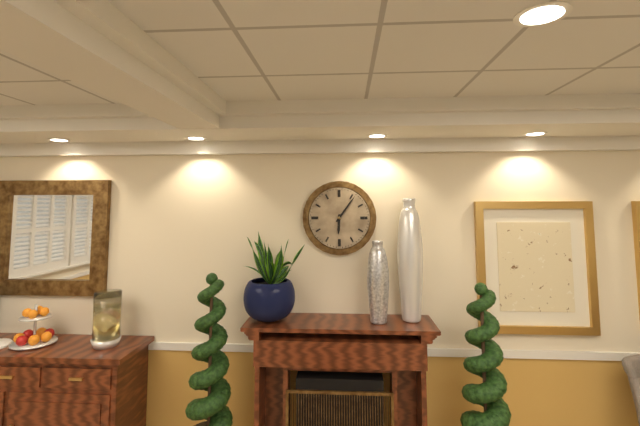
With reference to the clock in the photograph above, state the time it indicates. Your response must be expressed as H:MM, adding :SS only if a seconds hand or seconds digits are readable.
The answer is 6:06
